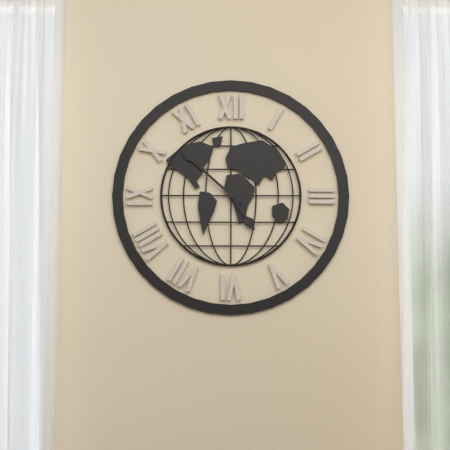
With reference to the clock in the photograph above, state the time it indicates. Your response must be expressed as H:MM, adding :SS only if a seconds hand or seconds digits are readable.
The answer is 4:52
